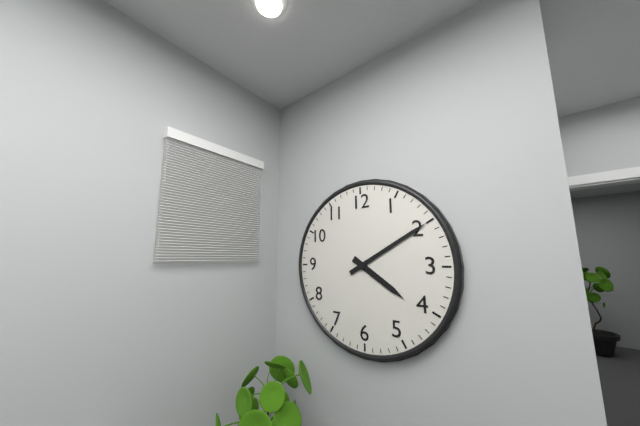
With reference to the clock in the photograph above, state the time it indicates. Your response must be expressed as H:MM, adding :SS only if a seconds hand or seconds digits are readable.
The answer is 4:10
